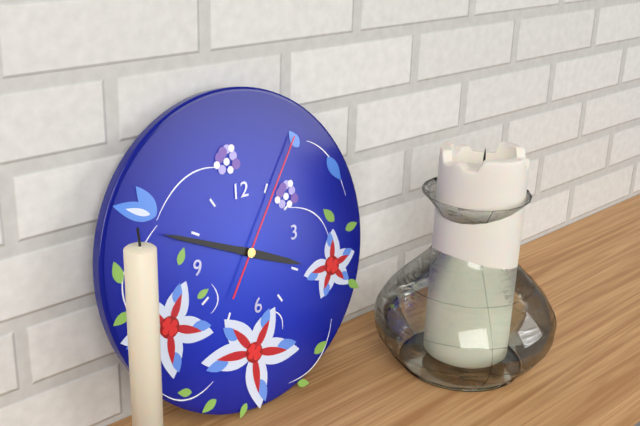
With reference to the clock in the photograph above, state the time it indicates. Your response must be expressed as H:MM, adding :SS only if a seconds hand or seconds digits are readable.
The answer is 3:49:06
